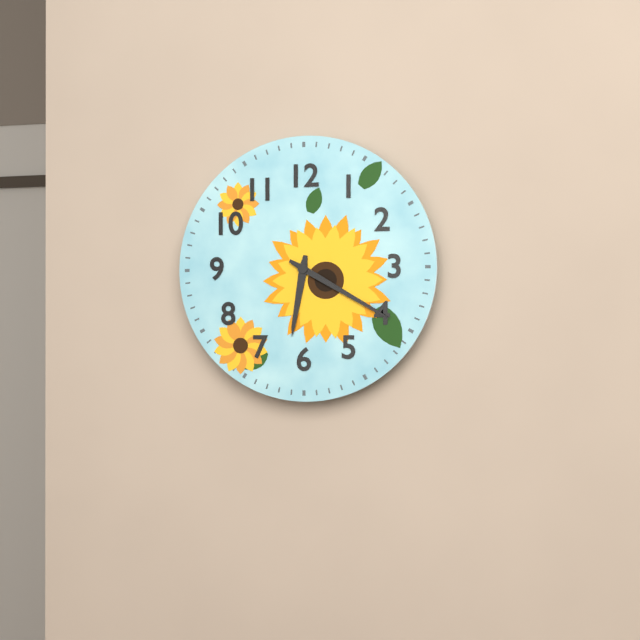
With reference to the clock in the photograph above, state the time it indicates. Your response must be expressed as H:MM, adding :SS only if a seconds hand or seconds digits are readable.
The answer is 6:20
